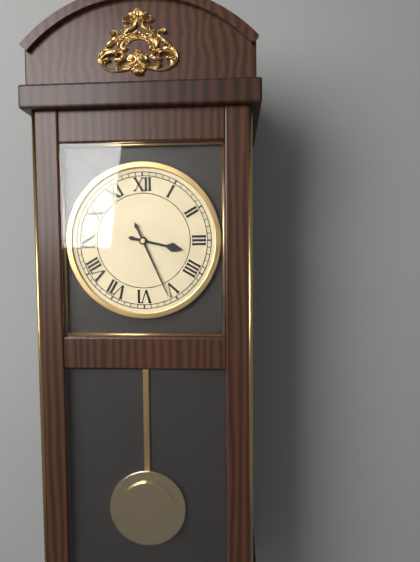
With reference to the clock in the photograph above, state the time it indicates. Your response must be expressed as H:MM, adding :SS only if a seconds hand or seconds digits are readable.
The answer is 3:26
